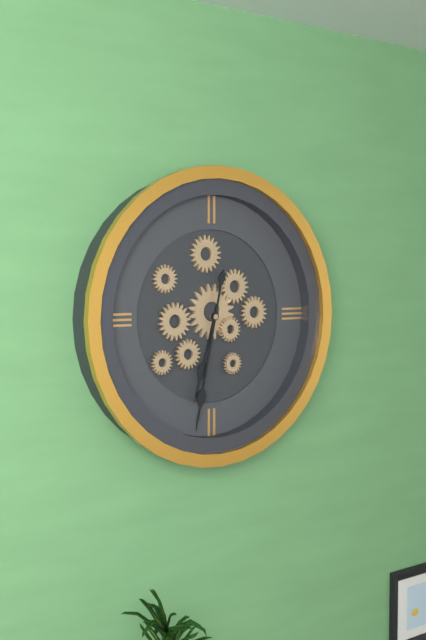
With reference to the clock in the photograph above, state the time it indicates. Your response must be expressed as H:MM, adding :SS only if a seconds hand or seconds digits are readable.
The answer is 6:32
